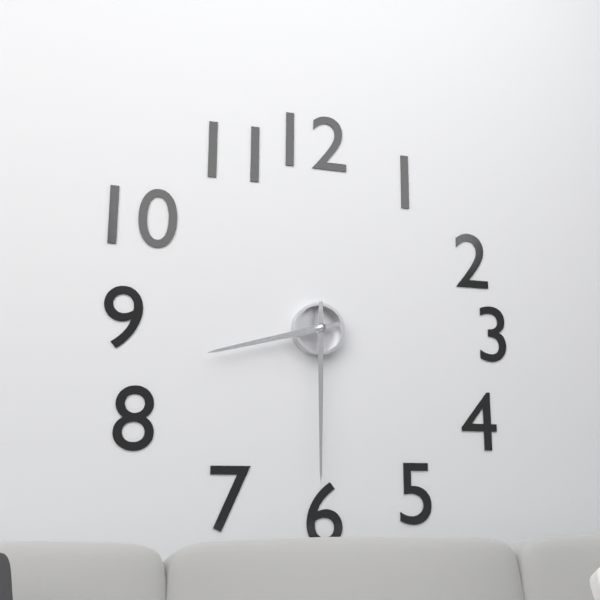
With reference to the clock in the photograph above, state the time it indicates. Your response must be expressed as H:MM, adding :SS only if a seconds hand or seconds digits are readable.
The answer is 8:30
